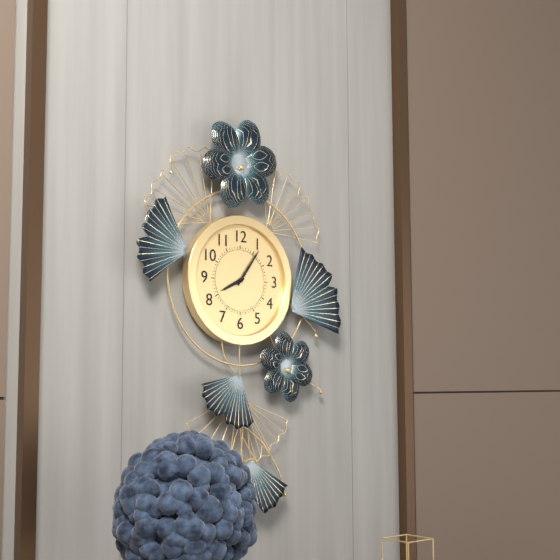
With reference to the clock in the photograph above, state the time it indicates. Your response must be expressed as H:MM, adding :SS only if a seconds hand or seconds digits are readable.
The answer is 8:06
